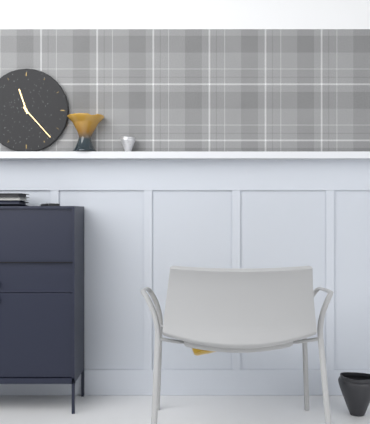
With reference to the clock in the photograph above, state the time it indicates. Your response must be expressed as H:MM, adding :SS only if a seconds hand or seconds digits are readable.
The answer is 11:23
